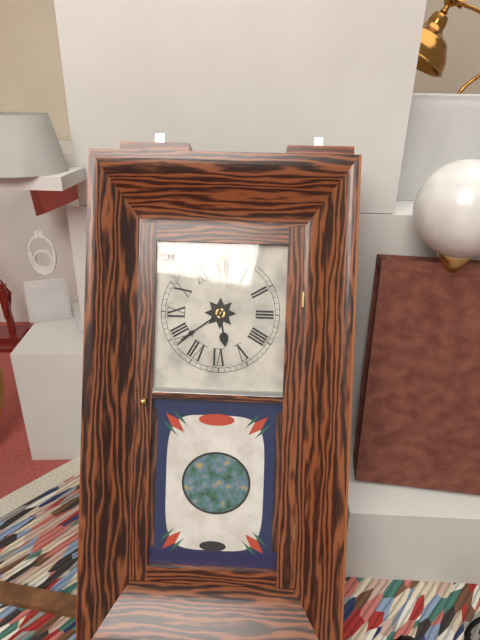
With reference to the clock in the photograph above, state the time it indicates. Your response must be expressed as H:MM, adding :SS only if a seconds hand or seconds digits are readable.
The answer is 5:39
